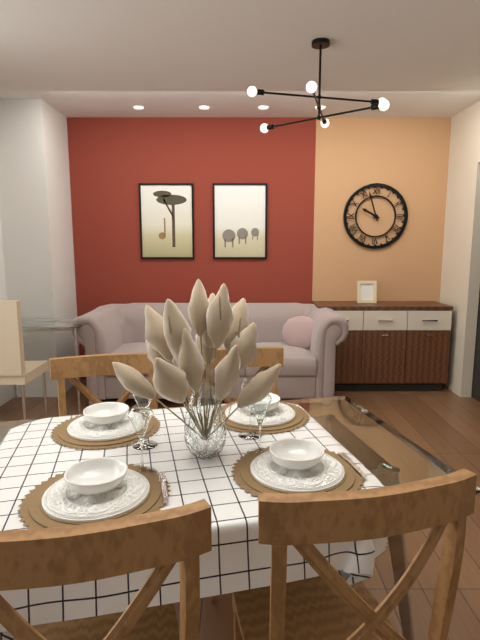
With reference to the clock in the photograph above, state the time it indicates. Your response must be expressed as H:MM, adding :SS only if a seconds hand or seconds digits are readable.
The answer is 9:57
